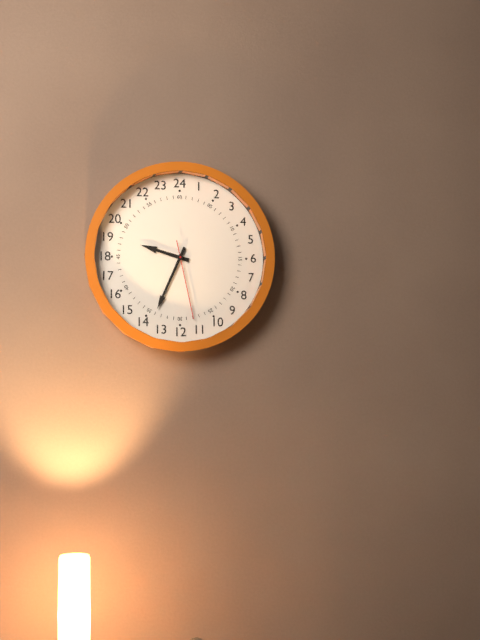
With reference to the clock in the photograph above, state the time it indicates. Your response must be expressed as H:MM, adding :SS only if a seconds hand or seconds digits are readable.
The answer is 9:34:28
